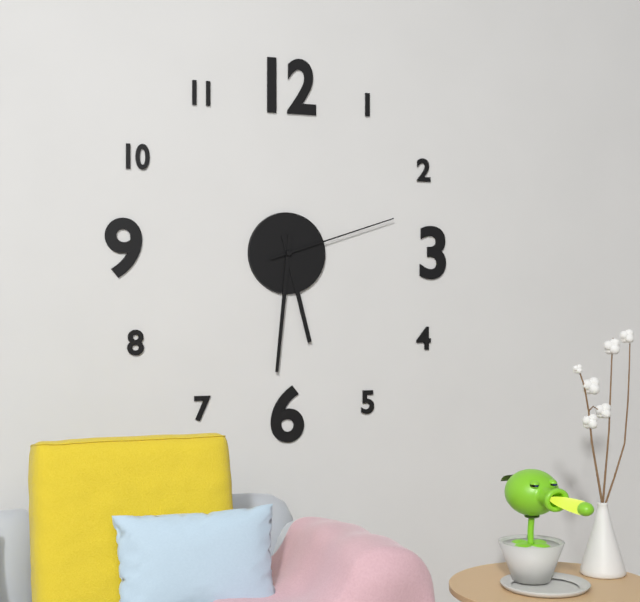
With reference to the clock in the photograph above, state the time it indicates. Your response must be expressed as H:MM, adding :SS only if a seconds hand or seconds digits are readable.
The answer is 5:31:12
